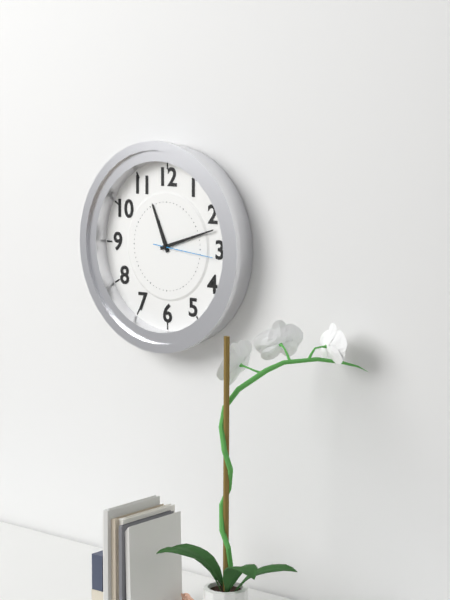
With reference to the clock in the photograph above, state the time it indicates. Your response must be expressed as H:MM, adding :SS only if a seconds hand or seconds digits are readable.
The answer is 11:12:16
